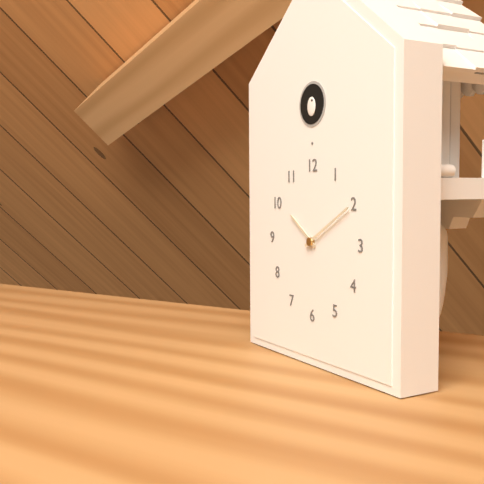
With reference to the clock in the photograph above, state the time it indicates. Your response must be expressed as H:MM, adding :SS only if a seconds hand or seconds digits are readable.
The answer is 10:10
